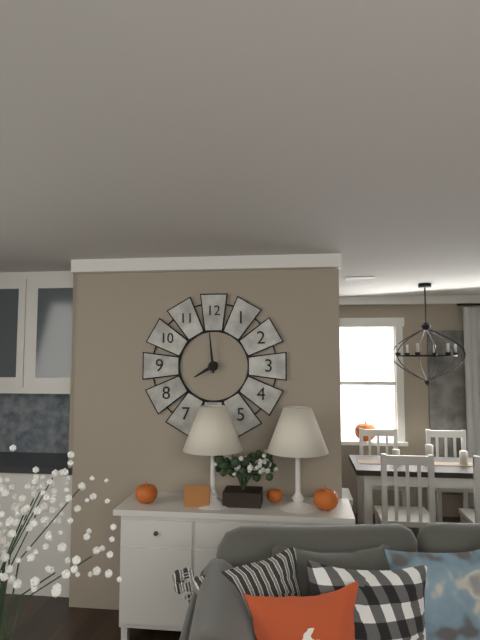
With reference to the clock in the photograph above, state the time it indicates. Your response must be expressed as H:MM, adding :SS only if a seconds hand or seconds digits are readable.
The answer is 7:59
